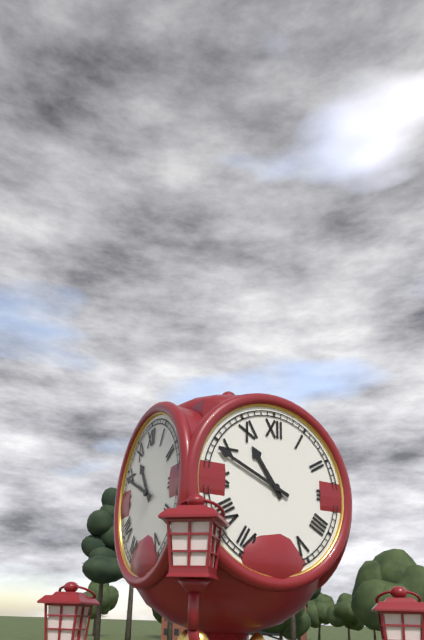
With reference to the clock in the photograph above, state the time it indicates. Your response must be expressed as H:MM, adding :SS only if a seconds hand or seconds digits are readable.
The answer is 10:49
